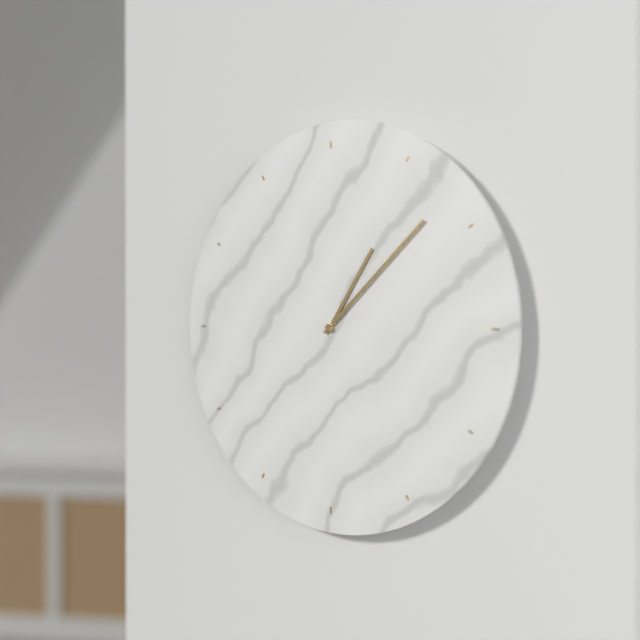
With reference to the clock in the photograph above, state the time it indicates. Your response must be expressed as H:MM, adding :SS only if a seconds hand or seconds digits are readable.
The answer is 1:08
